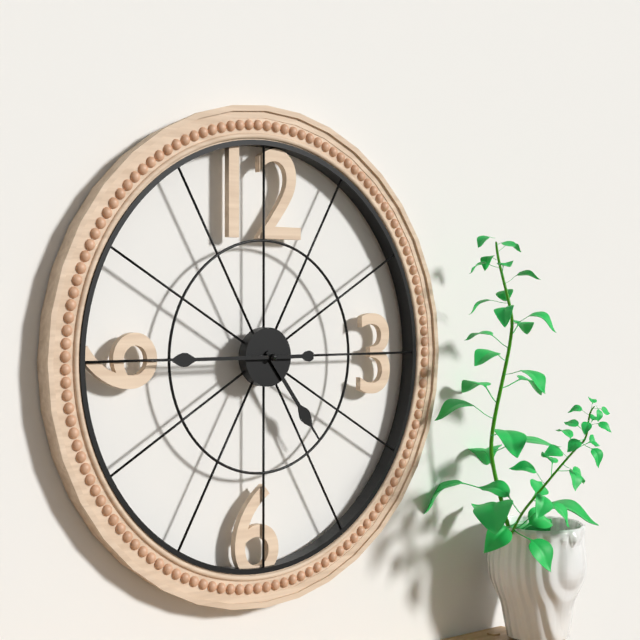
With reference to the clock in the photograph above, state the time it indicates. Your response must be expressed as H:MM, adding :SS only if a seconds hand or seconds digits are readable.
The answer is 4:45
